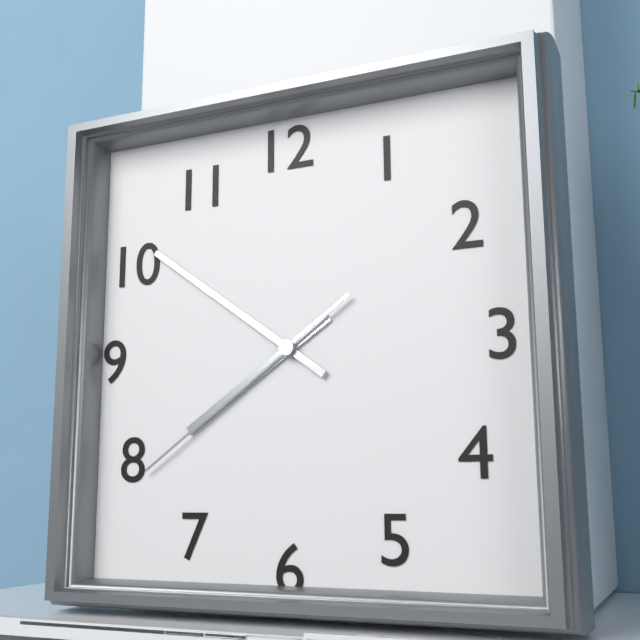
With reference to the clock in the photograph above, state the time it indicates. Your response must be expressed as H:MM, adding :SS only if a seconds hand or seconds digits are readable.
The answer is 7:51:39
